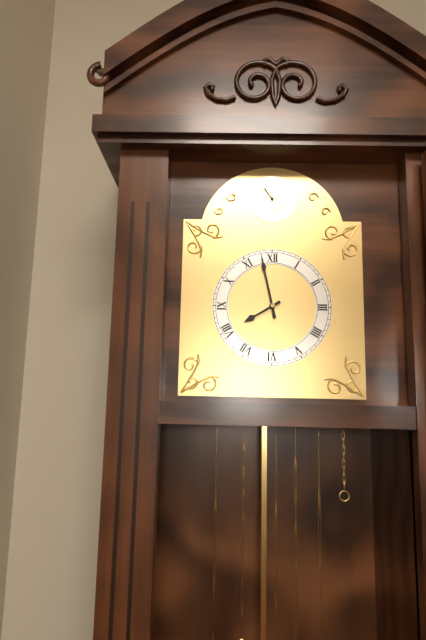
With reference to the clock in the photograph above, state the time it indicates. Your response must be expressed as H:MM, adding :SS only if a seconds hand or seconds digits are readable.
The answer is 7:58
